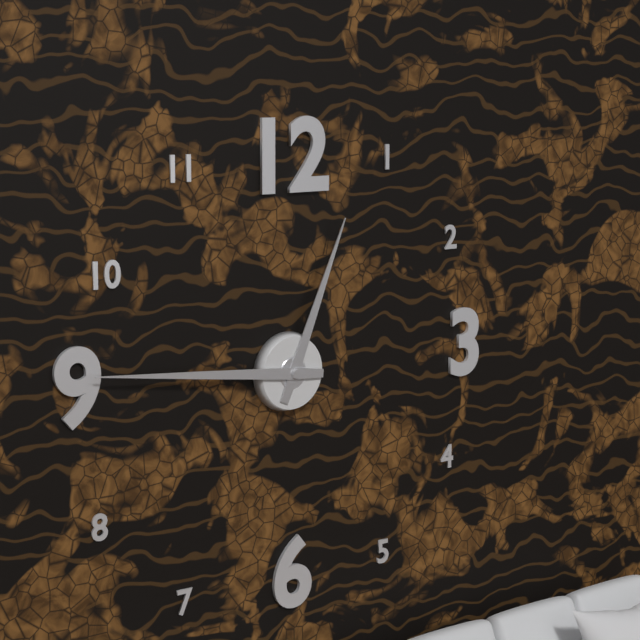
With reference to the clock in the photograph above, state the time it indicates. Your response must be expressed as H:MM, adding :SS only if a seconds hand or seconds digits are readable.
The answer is 12:46
